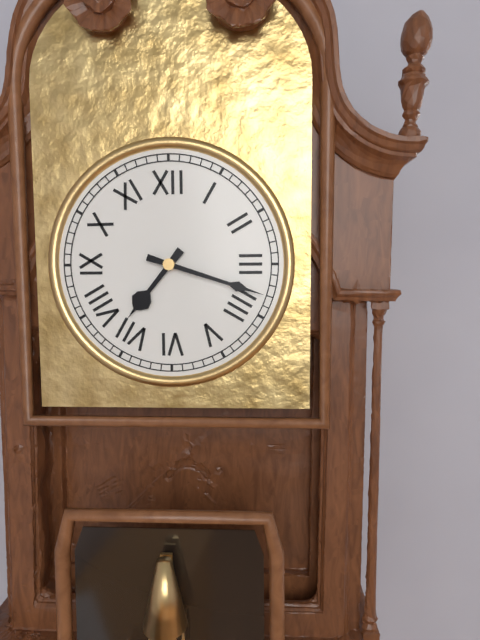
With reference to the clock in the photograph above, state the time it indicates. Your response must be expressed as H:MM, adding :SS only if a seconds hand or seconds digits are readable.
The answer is 7:18
